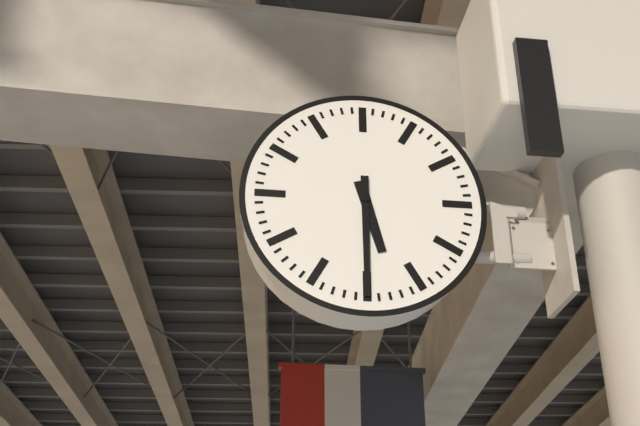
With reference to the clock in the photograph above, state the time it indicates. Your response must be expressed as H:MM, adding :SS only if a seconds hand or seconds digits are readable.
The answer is 5:30
